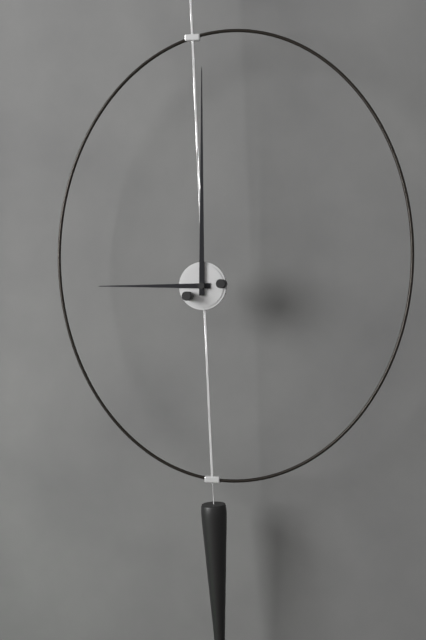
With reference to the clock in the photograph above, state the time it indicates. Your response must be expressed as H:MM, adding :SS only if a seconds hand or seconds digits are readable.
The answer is 9:00
